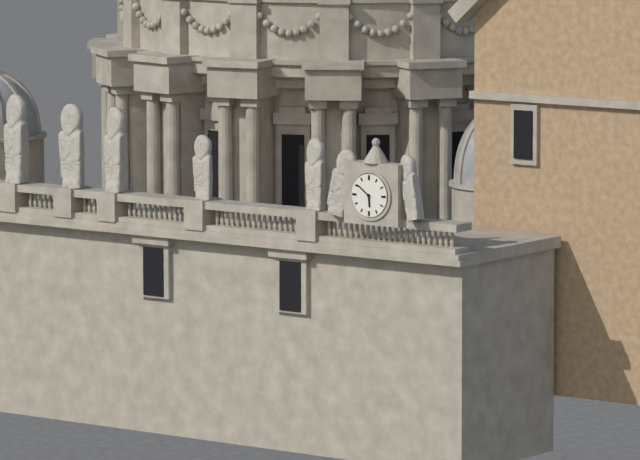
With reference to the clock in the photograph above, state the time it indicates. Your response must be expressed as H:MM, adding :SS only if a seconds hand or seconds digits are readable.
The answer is 5:51
